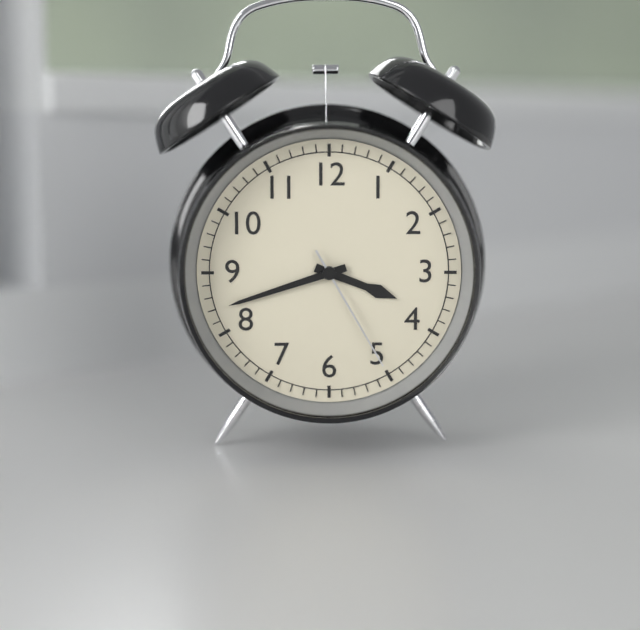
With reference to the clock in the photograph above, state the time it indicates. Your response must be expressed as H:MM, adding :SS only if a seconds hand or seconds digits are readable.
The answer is 3:42:25
